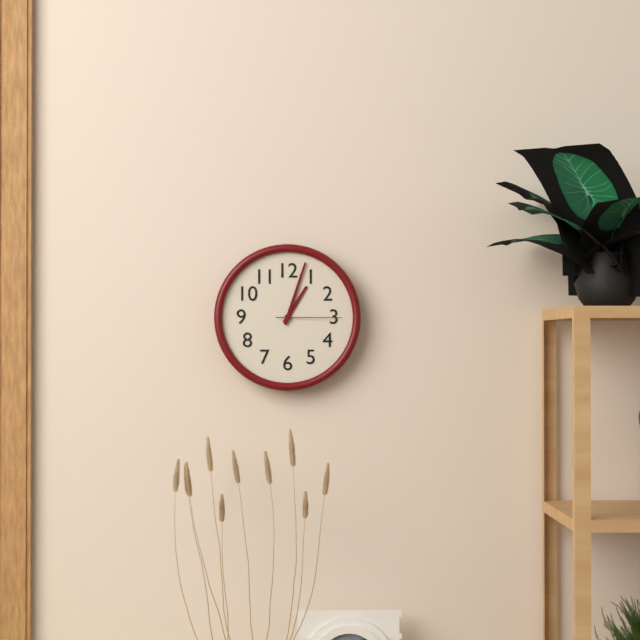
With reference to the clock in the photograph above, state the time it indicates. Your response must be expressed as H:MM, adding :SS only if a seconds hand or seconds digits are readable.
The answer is 1:03:15
